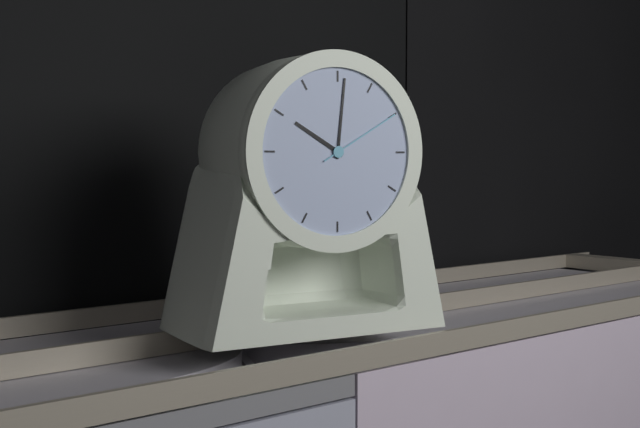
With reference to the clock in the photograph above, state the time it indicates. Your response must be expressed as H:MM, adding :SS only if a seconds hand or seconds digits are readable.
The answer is 10:01:10
